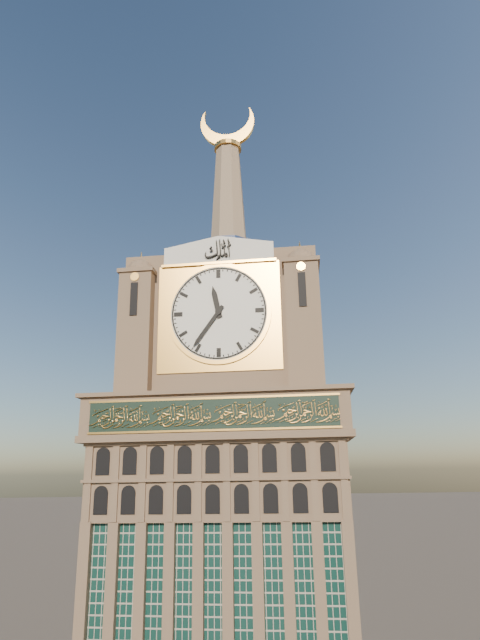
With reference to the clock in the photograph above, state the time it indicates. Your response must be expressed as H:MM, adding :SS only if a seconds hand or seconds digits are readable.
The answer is 11:36
